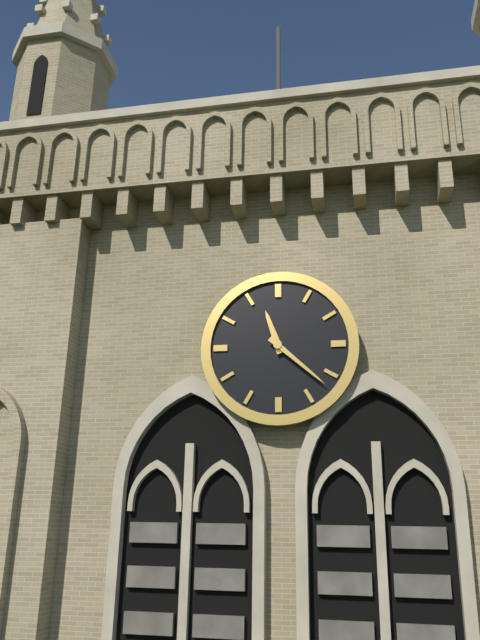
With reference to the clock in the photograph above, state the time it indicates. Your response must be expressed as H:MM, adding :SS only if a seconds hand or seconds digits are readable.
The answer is 11:22
